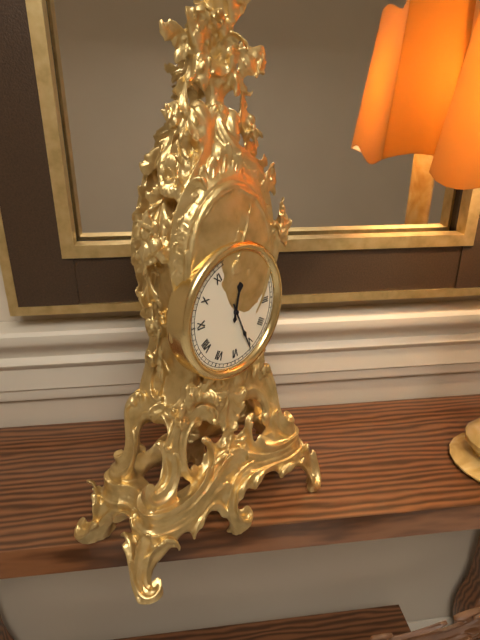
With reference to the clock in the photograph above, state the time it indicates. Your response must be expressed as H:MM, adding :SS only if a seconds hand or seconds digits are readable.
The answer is 12:26
